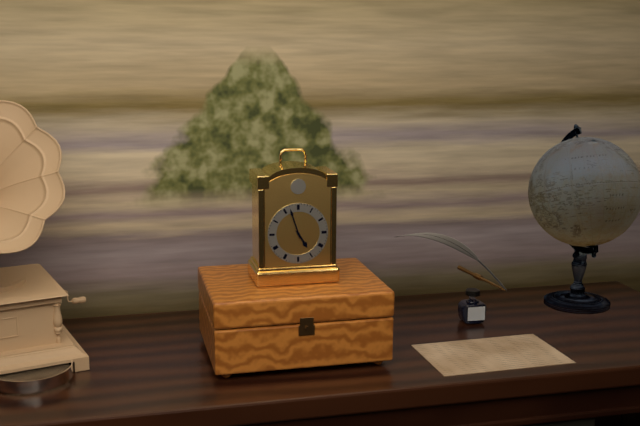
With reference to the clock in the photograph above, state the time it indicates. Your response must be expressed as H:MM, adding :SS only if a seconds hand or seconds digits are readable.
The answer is 4:57
